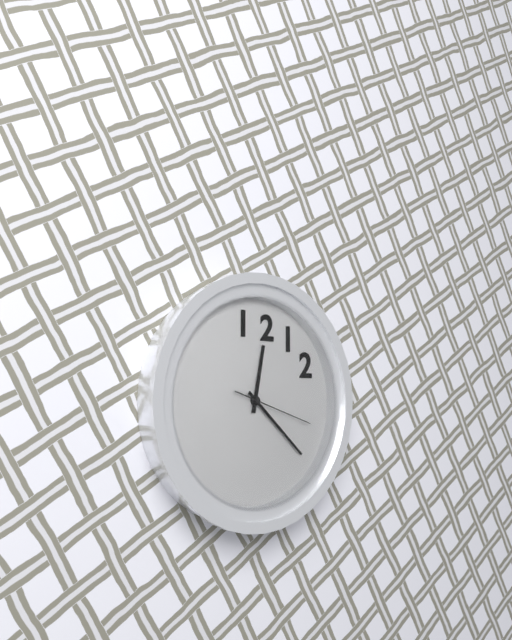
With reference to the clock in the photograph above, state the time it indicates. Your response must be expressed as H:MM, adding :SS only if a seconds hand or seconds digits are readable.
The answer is 12:22:18
